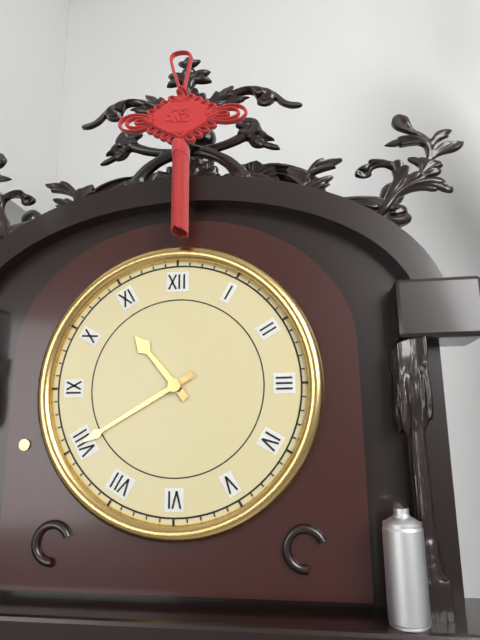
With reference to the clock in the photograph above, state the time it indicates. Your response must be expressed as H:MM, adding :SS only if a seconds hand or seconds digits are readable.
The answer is 10:40
